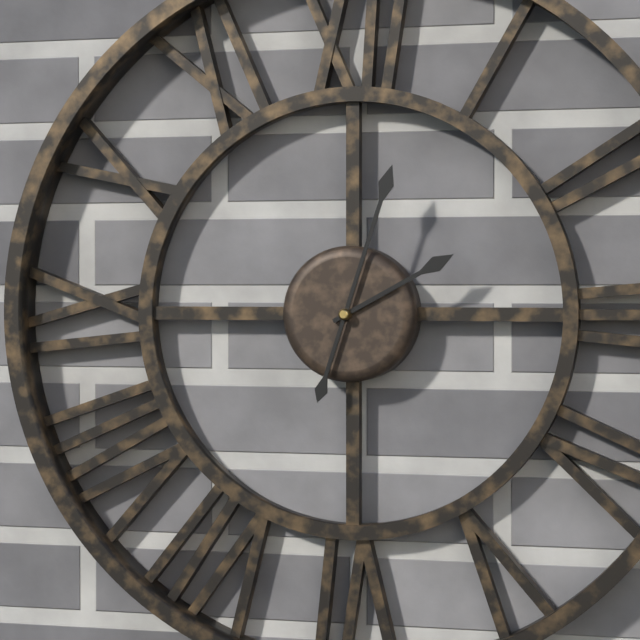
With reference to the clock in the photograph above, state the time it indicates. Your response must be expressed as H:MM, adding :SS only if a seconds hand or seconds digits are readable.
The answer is 2:03
